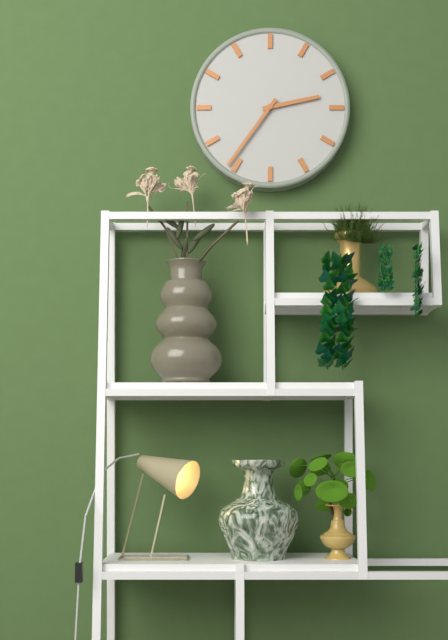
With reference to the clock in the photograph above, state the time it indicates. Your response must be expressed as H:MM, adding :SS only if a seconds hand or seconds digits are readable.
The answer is 2:36
